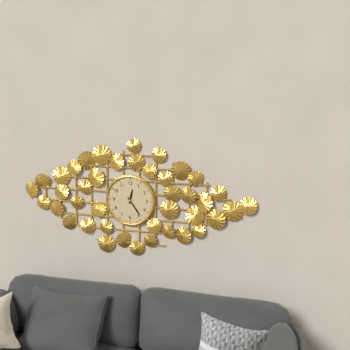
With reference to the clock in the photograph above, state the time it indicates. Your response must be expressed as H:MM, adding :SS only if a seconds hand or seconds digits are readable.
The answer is 12:24
